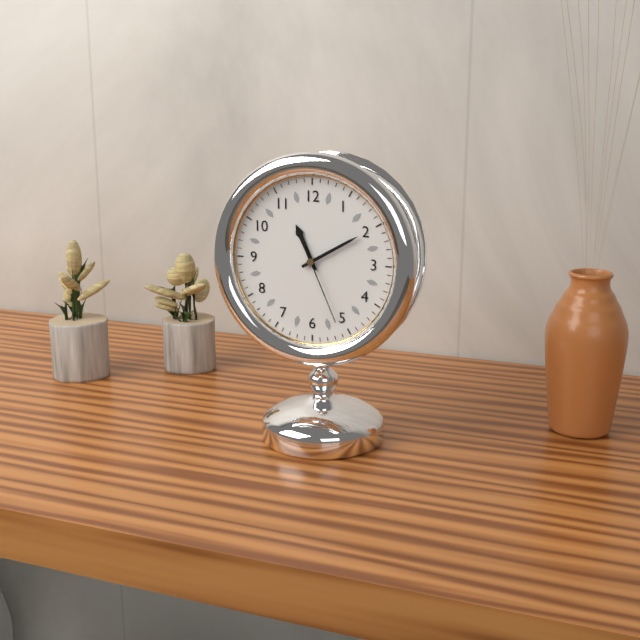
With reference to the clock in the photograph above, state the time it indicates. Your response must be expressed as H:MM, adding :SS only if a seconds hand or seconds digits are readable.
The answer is 11:10:26
